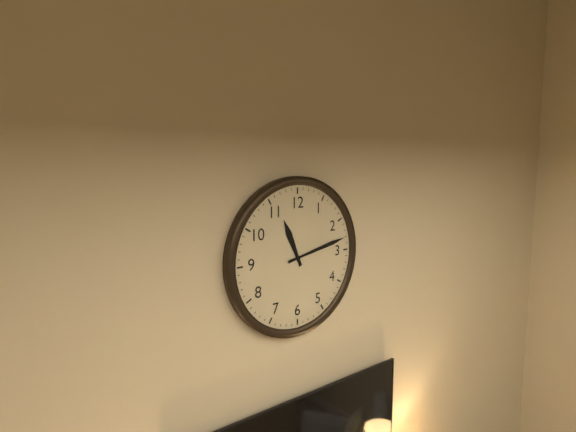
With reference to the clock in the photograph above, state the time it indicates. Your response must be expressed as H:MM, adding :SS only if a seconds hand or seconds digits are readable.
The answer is 11:13
